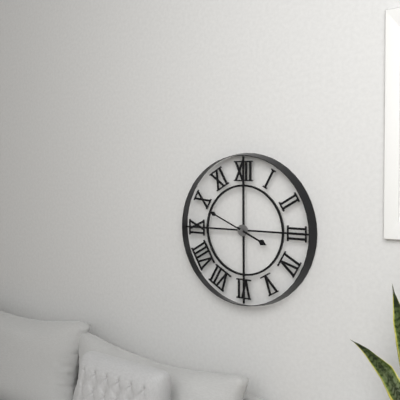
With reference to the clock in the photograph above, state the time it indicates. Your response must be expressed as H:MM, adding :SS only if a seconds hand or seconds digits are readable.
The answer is 3:49
